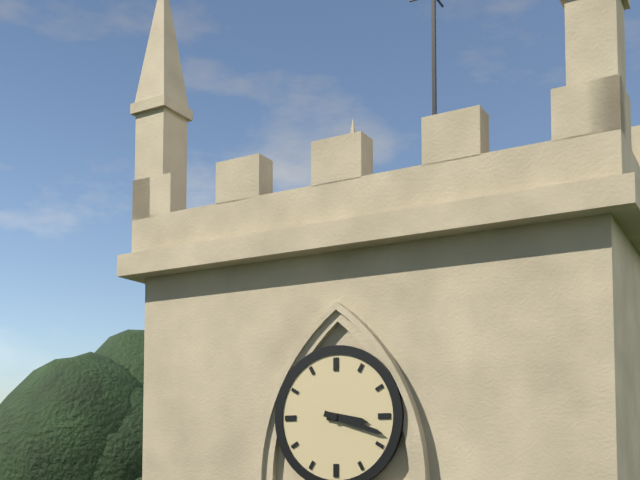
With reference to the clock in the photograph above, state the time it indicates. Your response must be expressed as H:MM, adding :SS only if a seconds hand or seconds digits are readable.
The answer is 3:18
